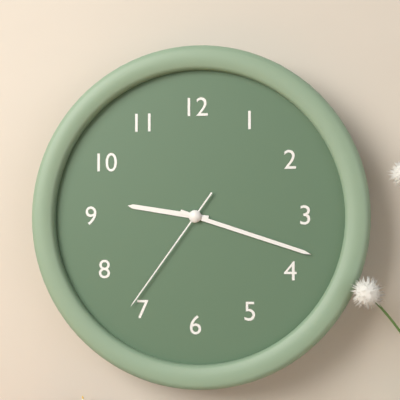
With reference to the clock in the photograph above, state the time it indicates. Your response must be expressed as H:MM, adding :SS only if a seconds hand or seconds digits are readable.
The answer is 9:18:36
